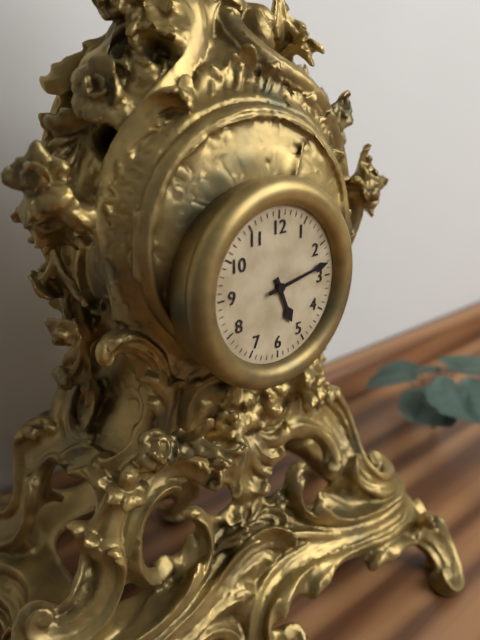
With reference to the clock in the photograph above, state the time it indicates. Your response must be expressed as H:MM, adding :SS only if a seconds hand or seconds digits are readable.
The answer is 5:13
